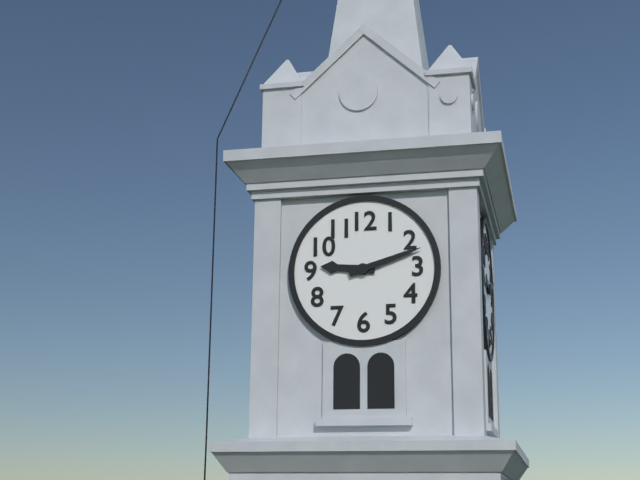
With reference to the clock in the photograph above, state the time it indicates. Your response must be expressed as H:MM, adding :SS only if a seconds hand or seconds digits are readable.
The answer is 9:12
